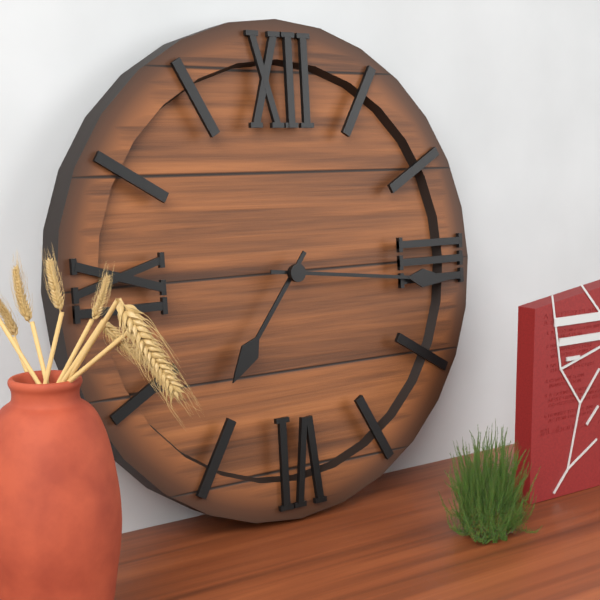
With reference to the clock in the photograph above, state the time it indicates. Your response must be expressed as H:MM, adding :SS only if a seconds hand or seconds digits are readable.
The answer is 7:16
